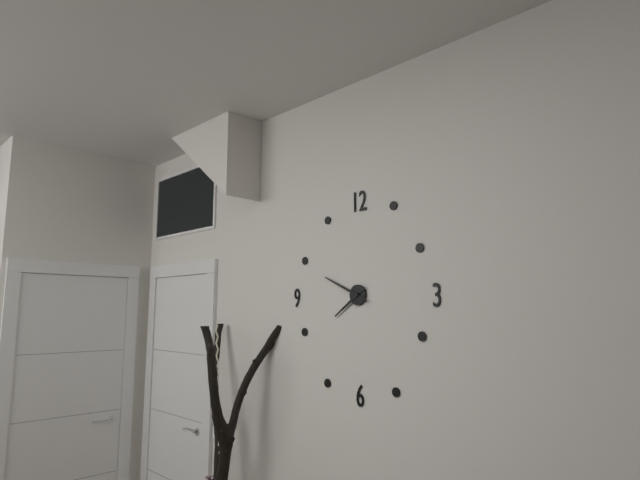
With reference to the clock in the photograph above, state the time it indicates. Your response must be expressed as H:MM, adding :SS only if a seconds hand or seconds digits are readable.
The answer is 7:49
